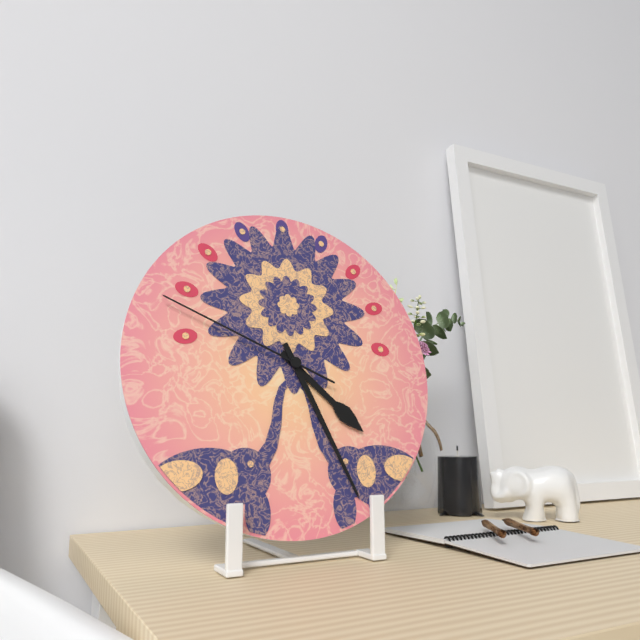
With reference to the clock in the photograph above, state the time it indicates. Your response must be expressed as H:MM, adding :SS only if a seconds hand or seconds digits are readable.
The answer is 4:26:49
